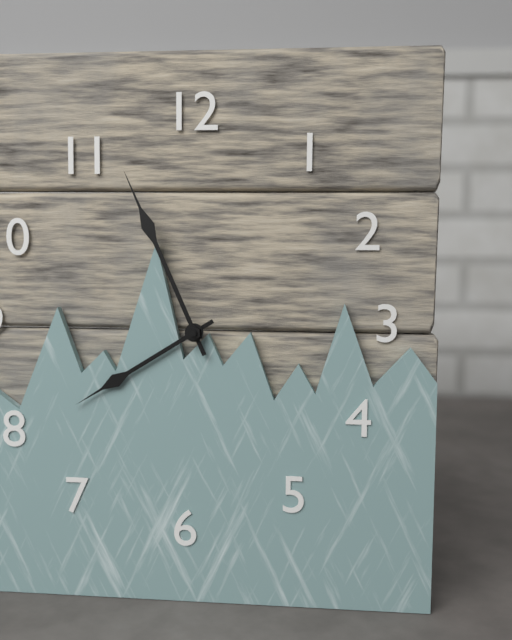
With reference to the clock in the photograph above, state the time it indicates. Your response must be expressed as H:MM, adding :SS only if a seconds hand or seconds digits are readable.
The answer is 7:56
